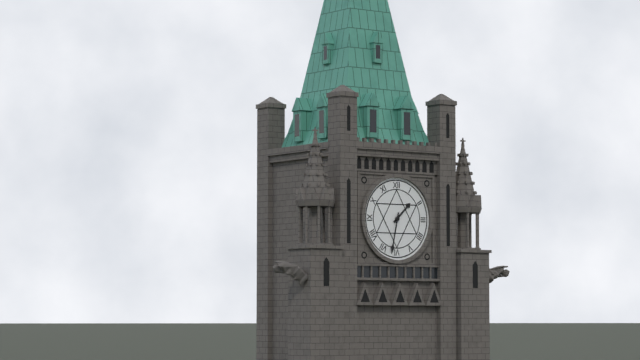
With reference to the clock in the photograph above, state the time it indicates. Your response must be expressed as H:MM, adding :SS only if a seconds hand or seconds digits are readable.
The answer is 1:32
